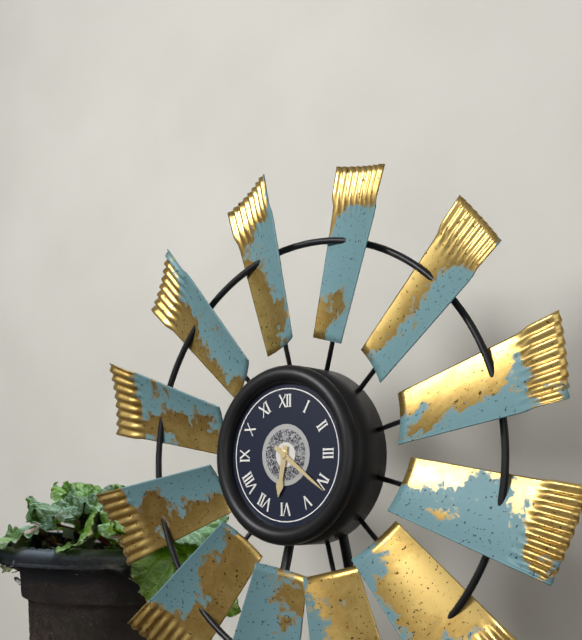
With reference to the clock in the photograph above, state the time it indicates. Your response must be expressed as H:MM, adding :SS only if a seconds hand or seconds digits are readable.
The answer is 6:21
